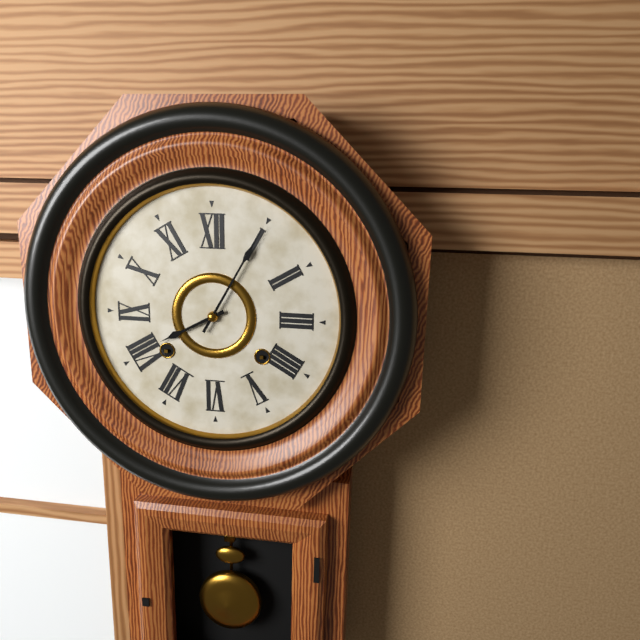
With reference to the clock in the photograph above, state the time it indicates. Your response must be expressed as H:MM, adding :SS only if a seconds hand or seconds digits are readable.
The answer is 8:05
